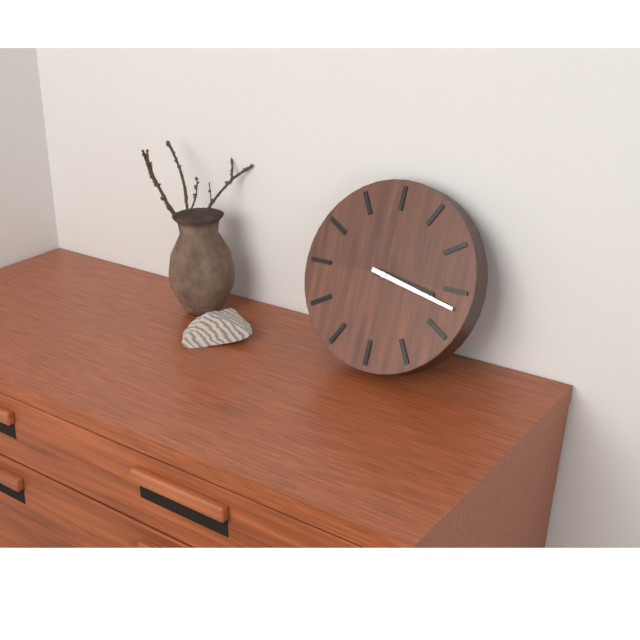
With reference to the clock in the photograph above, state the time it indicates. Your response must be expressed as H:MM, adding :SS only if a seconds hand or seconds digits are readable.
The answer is 3:17
